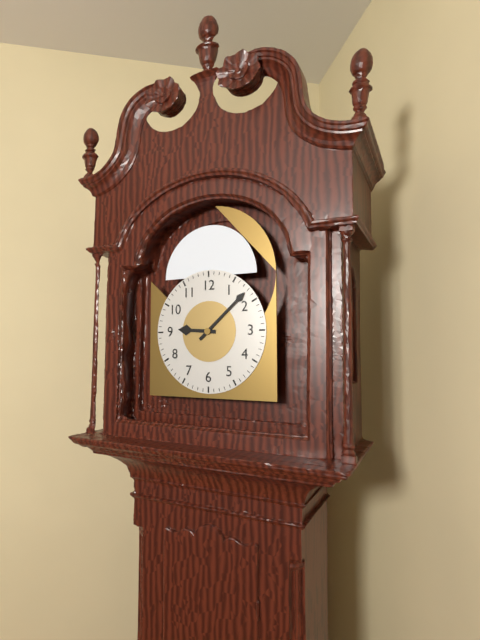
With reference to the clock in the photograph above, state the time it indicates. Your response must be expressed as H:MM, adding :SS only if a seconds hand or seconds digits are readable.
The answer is 9:08
